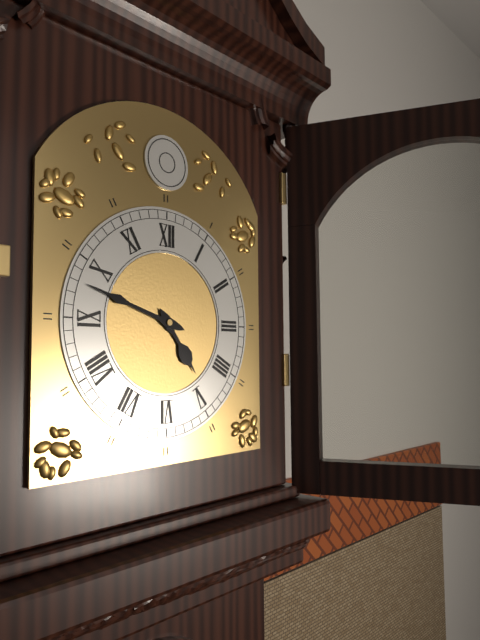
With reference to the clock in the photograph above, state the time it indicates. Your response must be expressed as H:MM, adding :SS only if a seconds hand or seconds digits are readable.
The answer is 4:48
